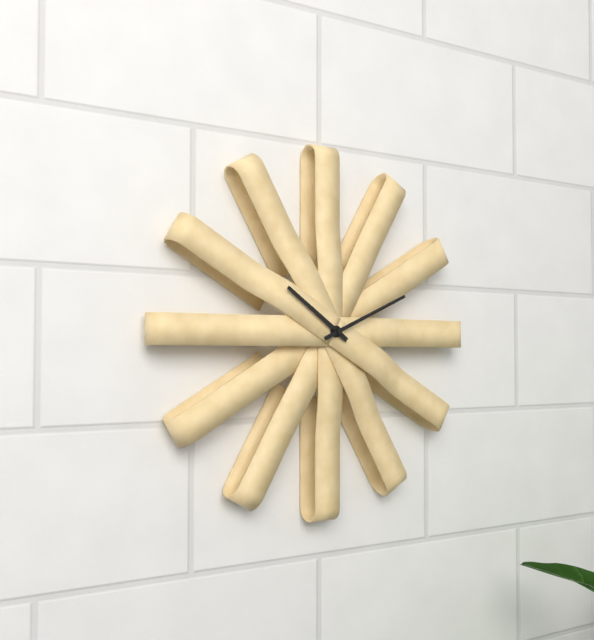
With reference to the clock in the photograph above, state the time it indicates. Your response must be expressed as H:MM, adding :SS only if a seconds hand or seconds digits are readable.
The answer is 10:11
